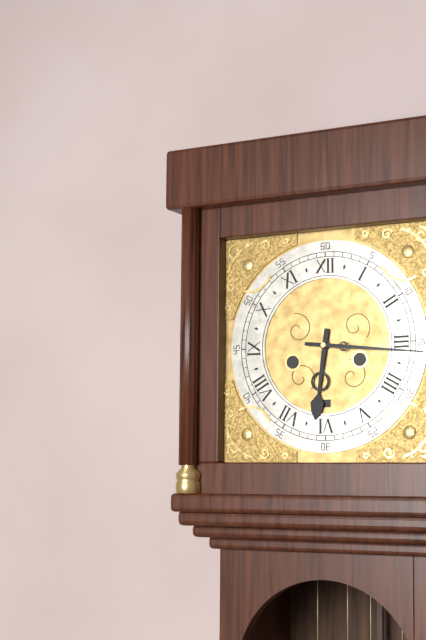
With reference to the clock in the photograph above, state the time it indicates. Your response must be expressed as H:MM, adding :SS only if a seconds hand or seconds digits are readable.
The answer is 6:16
